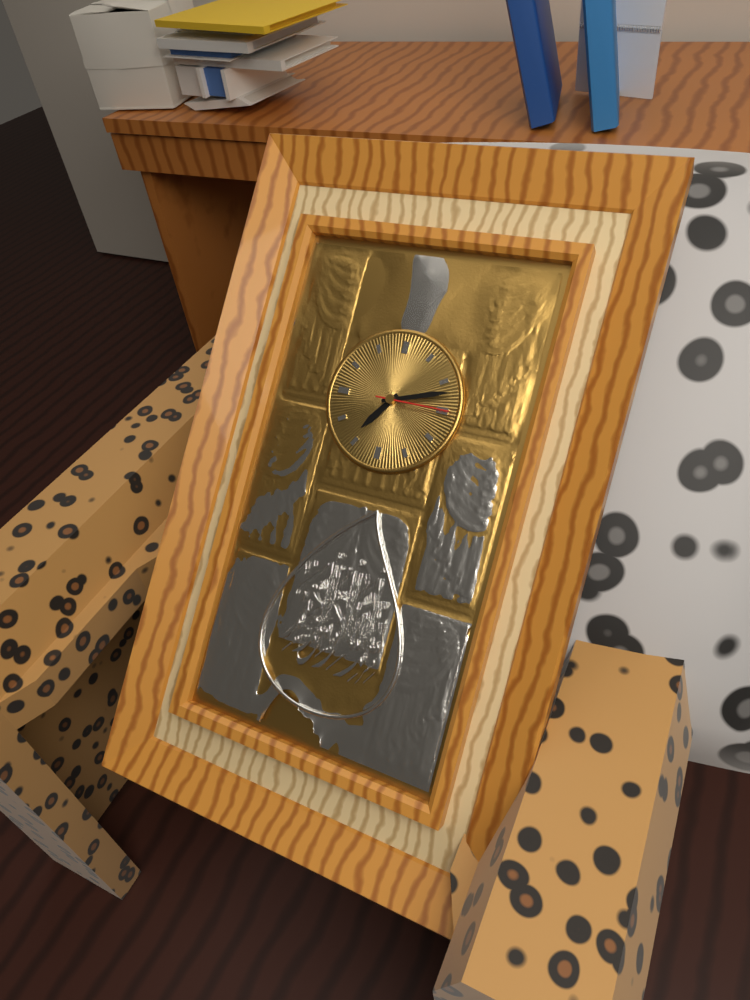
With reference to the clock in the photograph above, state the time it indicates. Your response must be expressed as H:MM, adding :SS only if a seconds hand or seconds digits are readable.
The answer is 7:12:15
